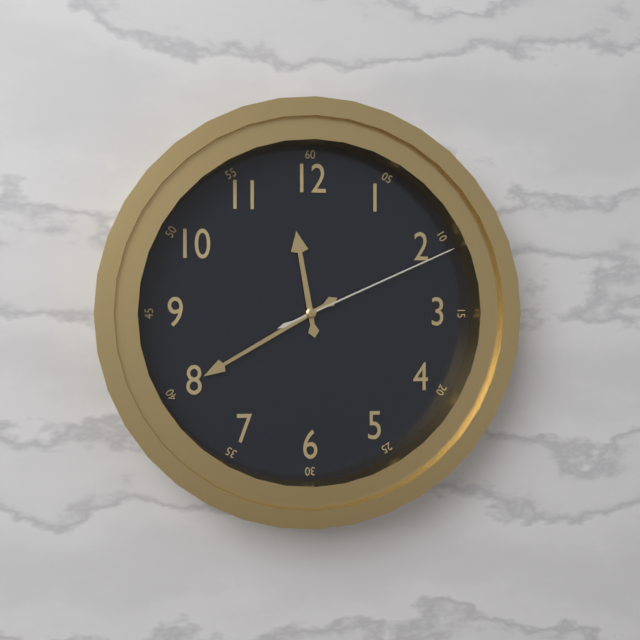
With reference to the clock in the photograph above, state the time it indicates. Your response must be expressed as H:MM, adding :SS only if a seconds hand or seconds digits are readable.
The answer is 11:40:11
